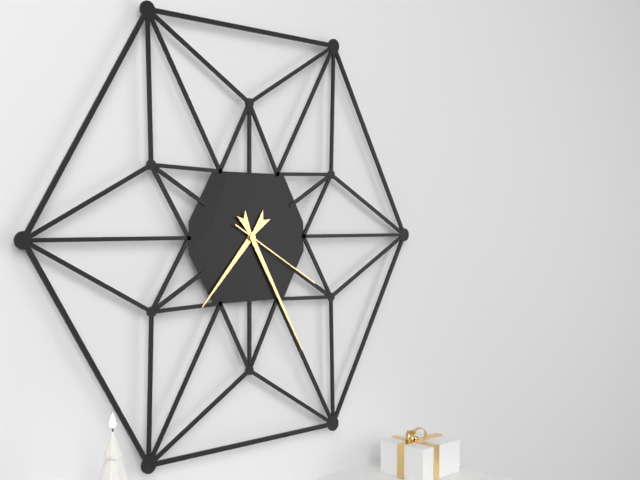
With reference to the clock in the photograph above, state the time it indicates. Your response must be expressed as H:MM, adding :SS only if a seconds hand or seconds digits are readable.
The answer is 7:25:20
